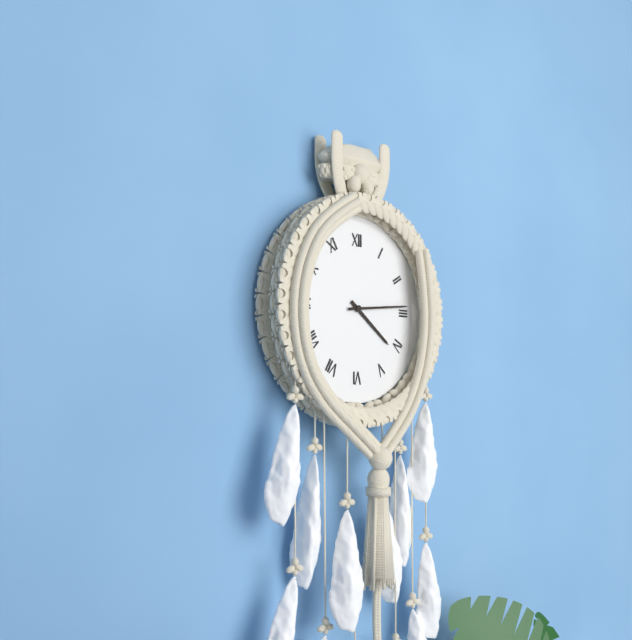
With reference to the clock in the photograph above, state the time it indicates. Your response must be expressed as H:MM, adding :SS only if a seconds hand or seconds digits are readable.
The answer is 4:14
